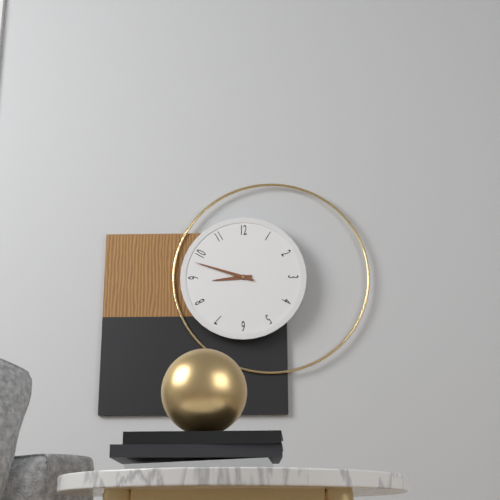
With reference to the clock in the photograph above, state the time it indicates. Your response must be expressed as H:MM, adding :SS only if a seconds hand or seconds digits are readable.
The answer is 8:48
